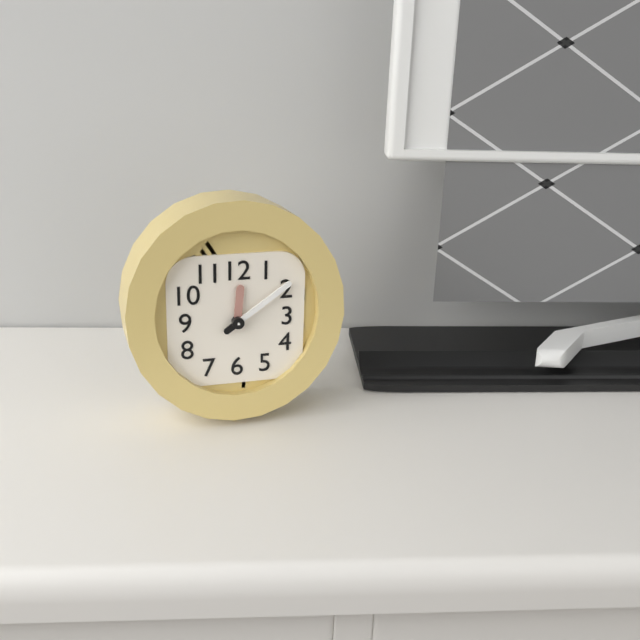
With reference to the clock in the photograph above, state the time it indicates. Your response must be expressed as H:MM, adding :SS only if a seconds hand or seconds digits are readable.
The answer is 12:09
